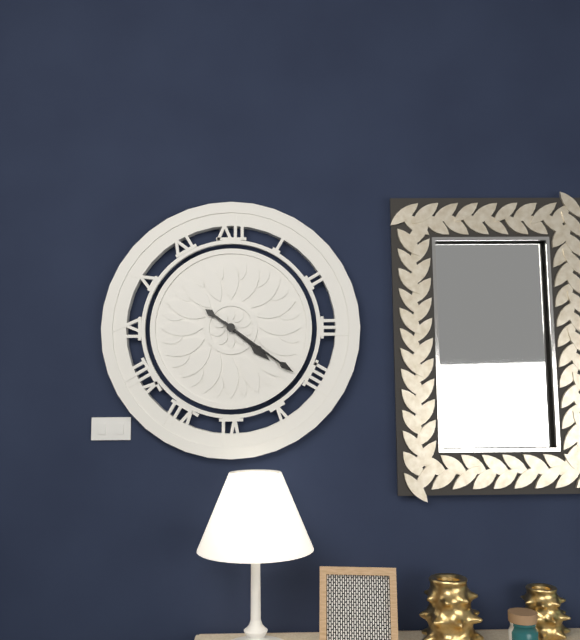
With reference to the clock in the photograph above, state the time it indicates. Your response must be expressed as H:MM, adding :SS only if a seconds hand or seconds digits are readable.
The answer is 4:21
